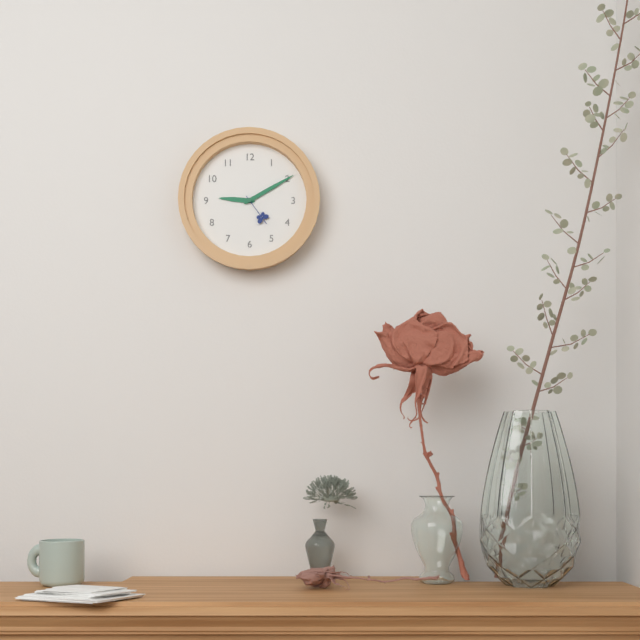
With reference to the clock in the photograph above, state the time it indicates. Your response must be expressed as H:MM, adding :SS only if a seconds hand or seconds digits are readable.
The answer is 9:10
